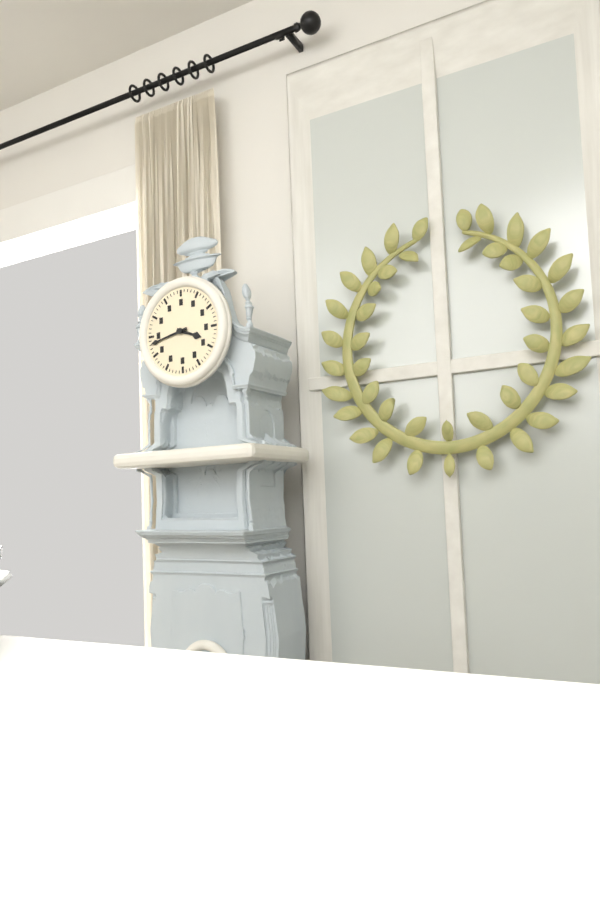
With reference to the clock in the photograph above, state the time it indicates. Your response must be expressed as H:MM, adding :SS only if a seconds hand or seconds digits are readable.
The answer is 3:43
